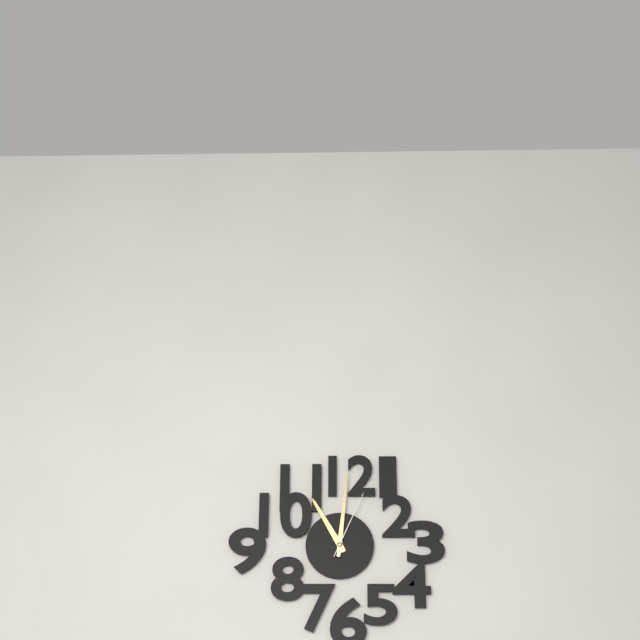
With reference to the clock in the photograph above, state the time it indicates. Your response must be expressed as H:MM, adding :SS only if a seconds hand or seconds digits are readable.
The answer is 11:01:04
